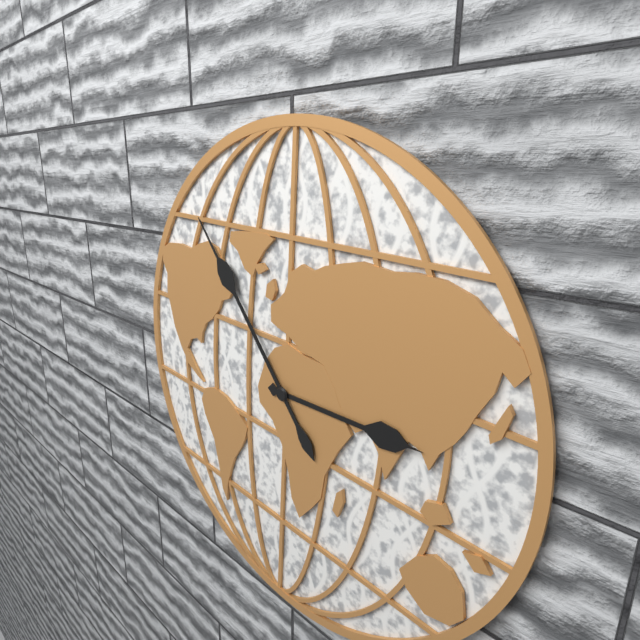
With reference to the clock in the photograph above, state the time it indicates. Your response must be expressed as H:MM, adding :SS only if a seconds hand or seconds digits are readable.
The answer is 2:53
